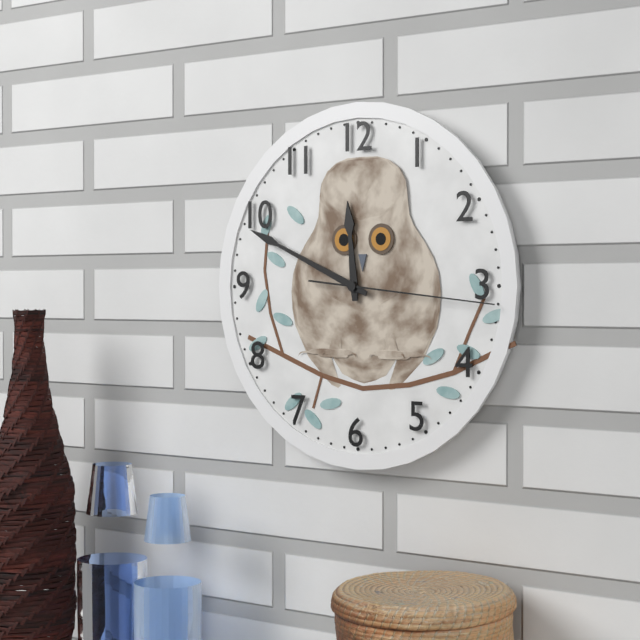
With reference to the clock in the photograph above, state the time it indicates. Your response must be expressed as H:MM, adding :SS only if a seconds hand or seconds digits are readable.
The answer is 11:49:16
